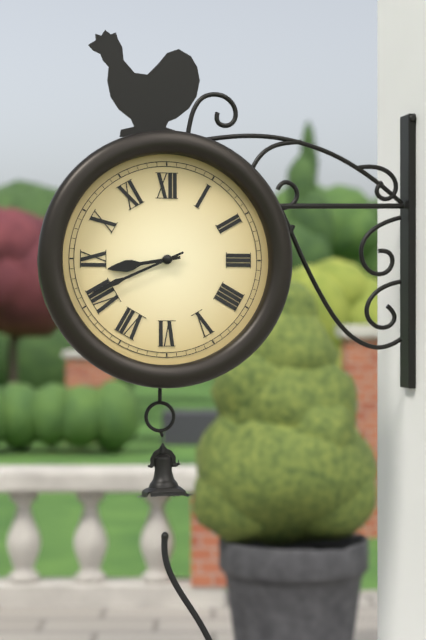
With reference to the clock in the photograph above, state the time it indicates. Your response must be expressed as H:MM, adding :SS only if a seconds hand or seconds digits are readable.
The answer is 8:41
